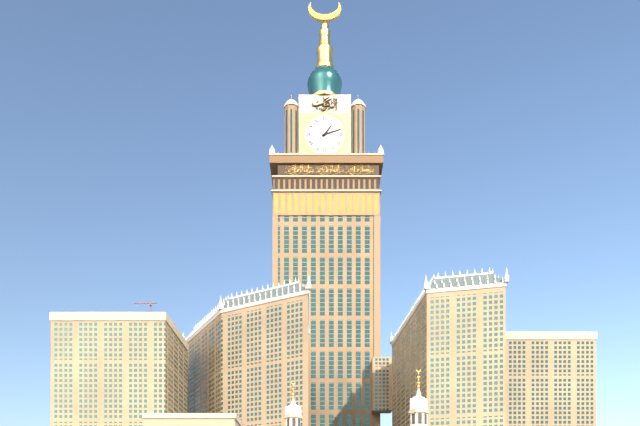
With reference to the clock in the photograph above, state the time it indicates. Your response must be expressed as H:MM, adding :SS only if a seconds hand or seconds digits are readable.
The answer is 1:12
